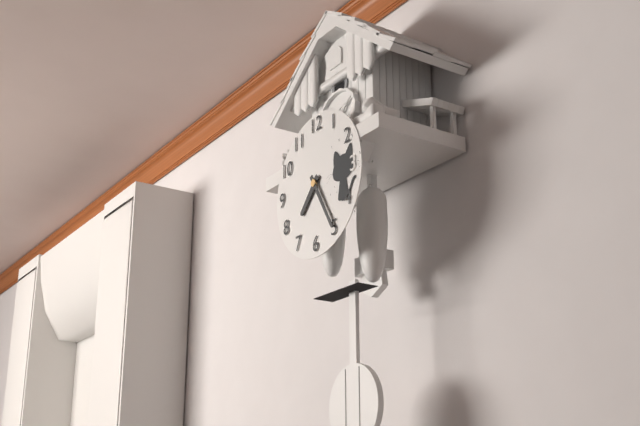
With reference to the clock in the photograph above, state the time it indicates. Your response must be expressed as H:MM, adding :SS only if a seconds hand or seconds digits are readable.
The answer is 7:25
